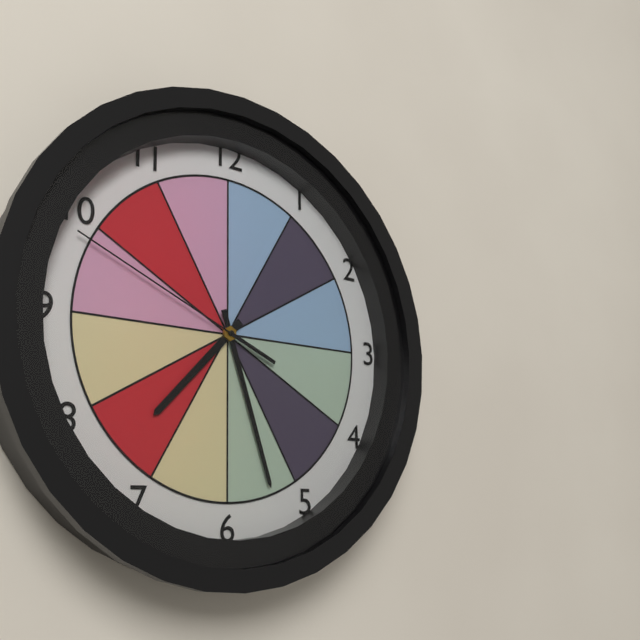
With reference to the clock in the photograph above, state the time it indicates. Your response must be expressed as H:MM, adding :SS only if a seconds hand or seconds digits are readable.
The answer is 7:27:49
